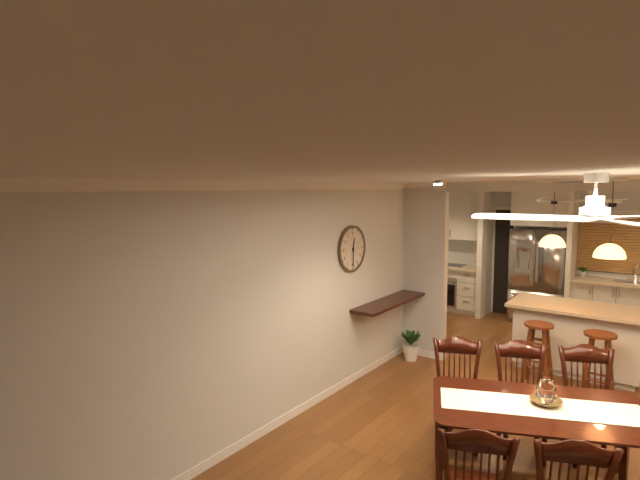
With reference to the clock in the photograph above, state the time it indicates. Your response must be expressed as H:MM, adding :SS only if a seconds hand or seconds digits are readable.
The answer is 12:30
